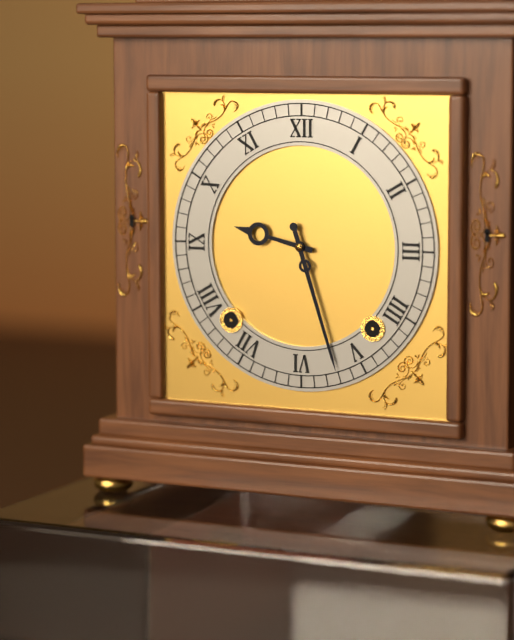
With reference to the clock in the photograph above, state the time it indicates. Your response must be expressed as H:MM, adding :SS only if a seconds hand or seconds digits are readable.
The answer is 9:27
